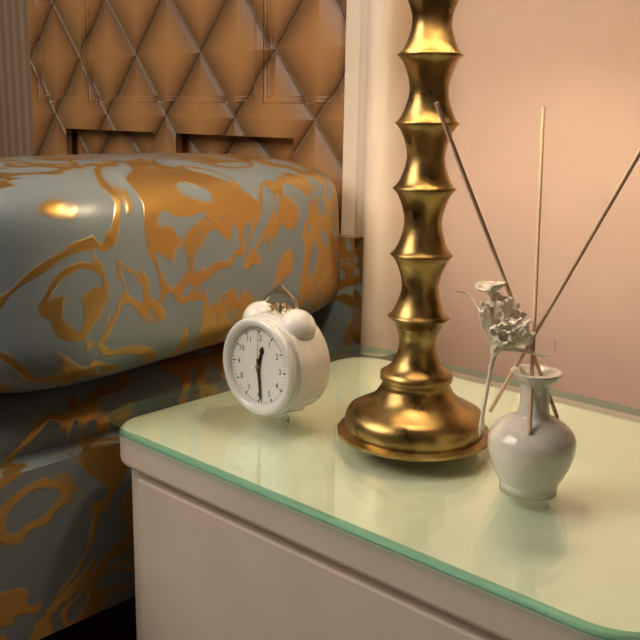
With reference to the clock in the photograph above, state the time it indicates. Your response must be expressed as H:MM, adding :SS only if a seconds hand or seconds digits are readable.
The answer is 12:29
